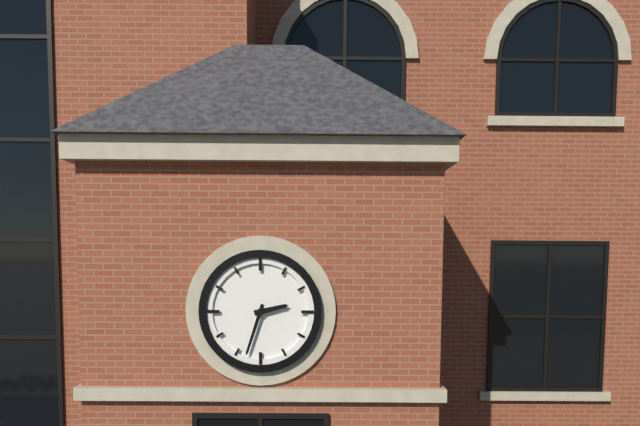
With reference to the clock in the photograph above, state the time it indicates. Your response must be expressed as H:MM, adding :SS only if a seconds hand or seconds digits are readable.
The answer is 2:33
